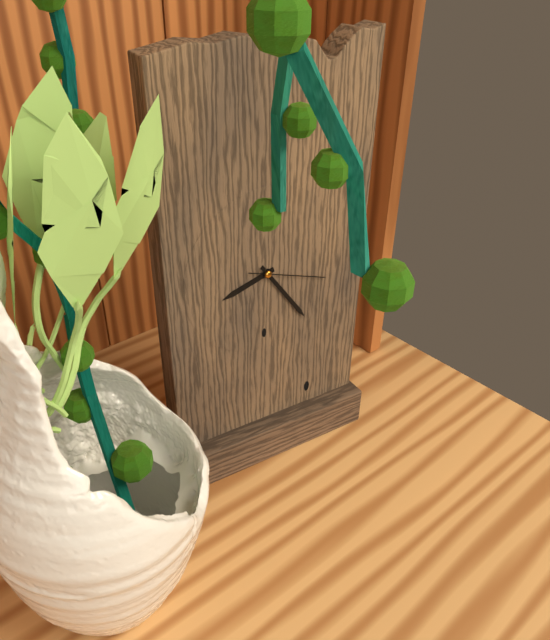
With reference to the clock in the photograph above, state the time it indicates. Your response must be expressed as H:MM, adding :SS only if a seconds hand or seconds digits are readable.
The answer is 8:24:18
